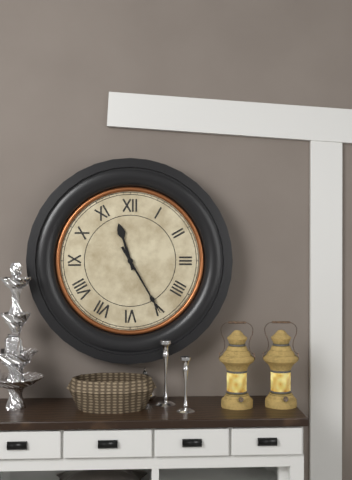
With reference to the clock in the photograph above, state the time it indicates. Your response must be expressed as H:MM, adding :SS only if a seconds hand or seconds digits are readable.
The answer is 11:25
